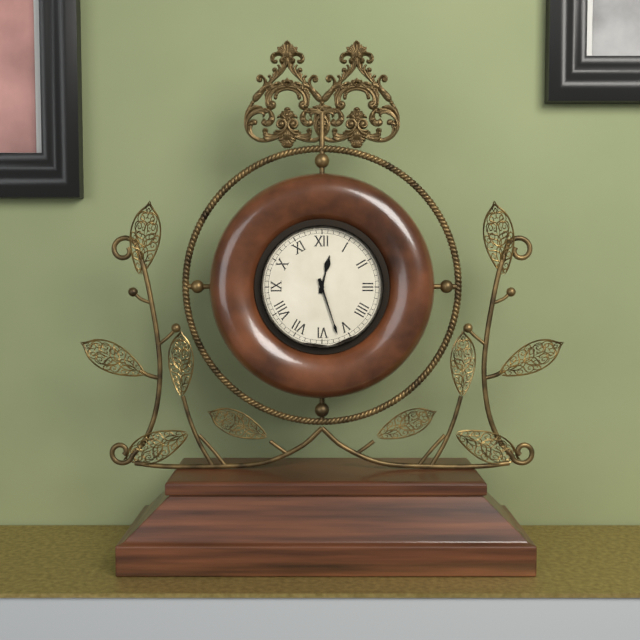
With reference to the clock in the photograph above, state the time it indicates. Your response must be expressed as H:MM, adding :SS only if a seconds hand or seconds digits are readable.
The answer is 12:27
